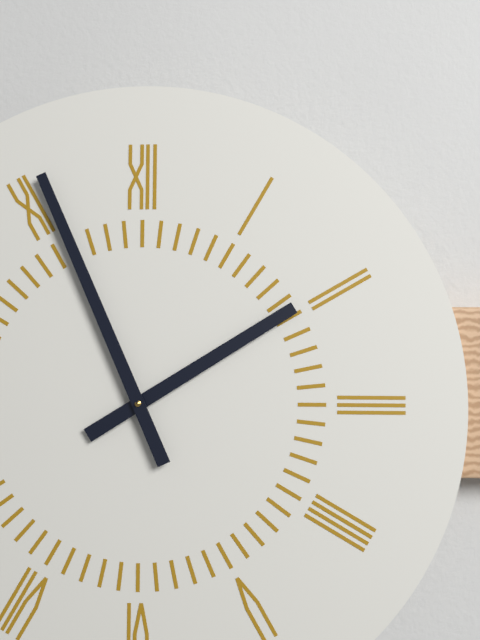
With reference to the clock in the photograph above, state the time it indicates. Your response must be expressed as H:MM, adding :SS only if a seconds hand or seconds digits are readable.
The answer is 1:56
